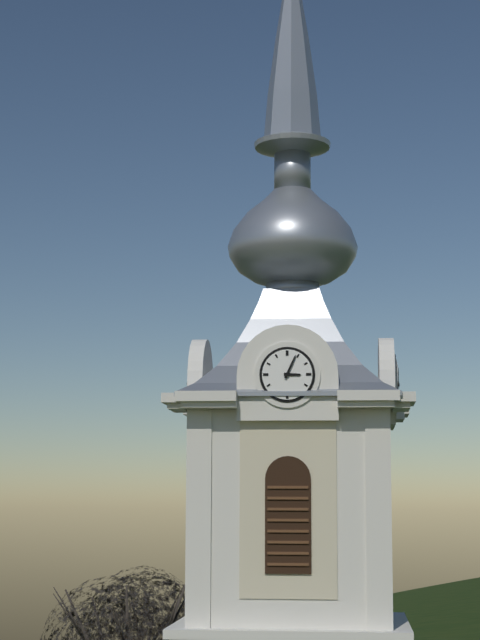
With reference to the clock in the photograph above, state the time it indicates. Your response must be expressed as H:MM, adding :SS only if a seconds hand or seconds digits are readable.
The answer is 3:04
